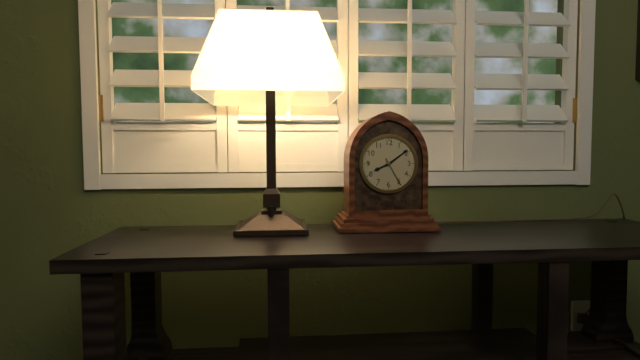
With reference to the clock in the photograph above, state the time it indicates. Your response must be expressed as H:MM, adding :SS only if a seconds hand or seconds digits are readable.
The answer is 8:09
